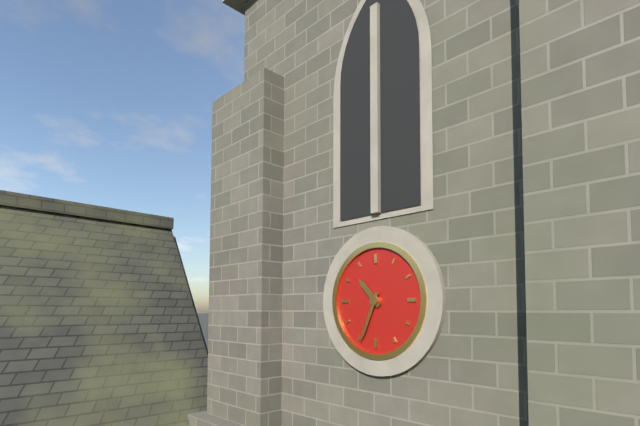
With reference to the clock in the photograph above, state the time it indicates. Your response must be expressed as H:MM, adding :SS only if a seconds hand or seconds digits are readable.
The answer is 10:34
